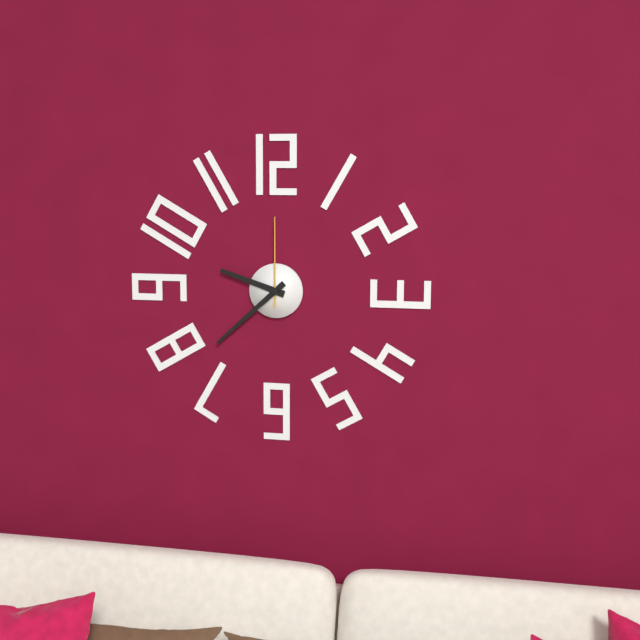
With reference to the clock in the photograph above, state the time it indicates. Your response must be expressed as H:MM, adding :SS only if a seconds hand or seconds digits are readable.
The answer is 9:38:00
